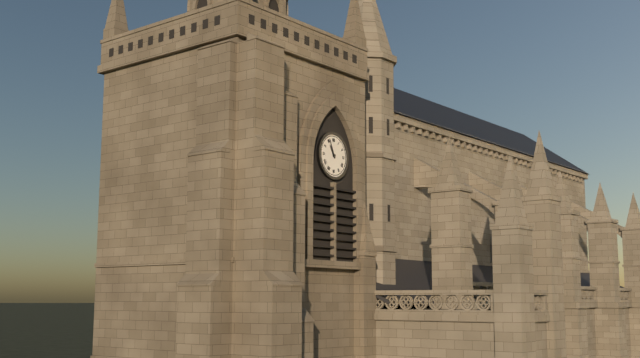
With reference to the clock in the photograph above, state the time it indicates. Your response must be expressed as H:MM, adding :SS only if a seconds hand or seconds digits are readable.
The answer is 10:56
